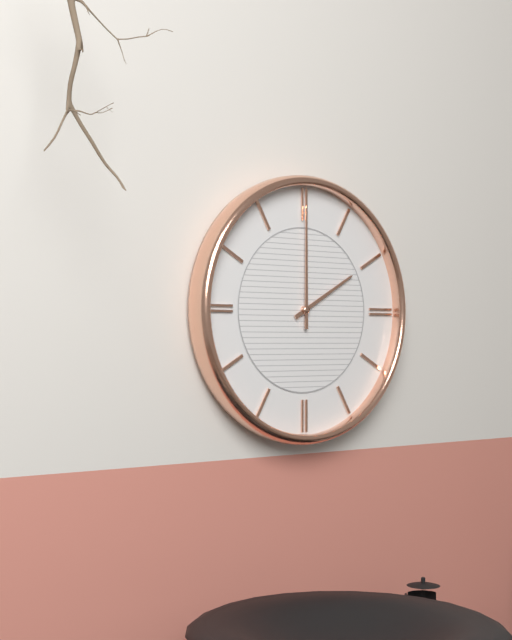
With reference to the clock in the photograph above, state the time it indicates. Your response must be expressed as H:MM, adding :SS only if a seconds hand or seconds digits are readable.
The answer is 2:00
